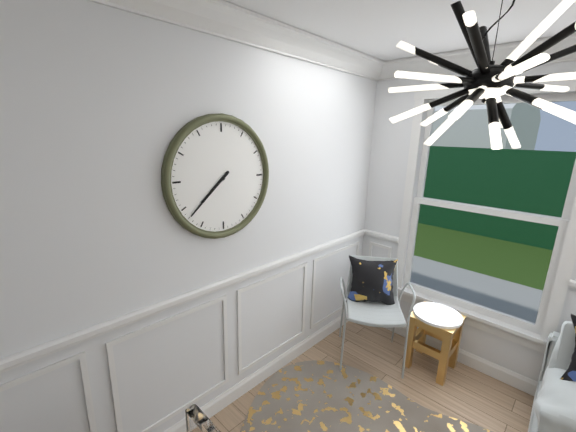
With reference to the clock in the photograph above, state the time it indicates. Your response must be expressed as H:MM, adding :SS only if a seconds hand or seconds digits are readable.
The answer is 7:38
